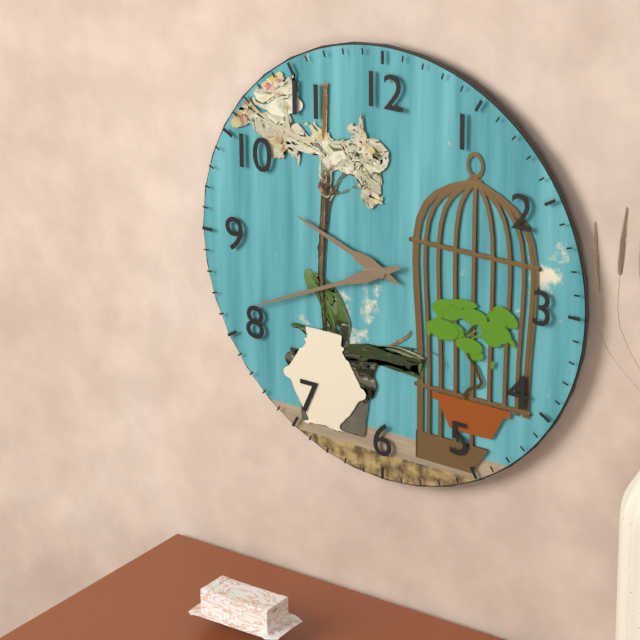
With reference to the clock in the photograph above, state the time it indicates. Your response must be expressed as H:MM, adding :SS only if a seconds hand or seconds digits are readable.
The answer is 9:41
